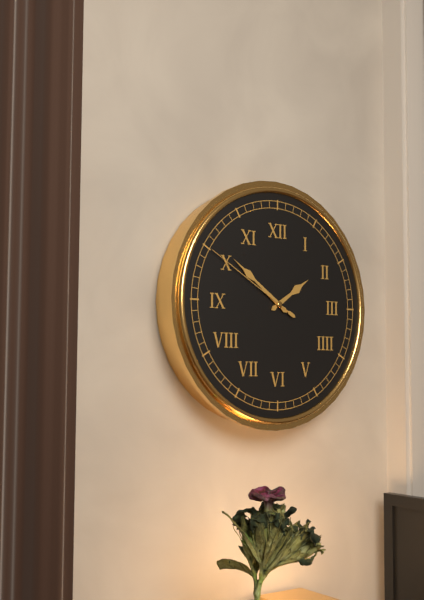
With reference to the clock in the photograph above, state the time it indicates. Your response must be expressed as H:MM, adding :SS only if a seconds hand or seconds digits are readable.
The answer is 1:51:50
